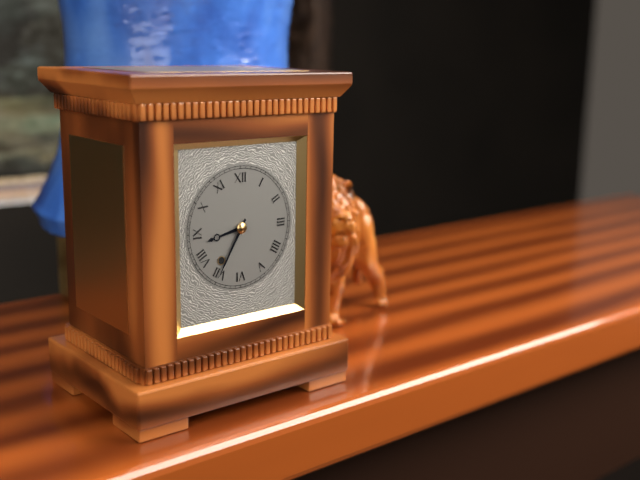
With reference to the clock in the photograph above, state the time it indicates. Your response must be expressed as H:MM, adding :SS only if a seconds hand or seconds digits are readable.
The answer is 8:35
